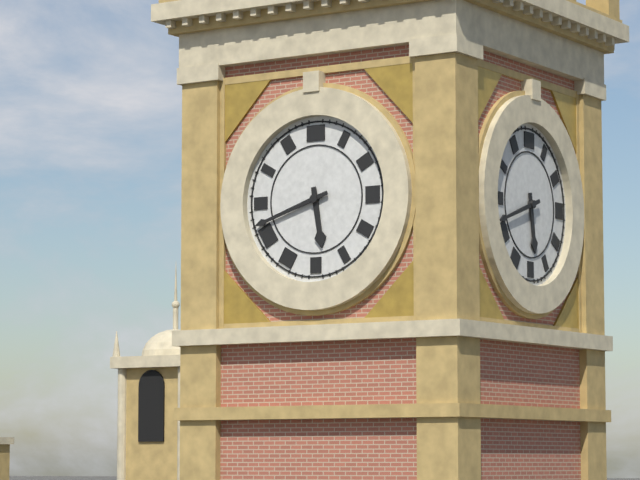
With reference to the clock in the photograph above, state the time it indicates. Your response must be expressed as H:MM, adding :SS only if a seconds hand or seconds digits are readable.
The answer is 5:42
